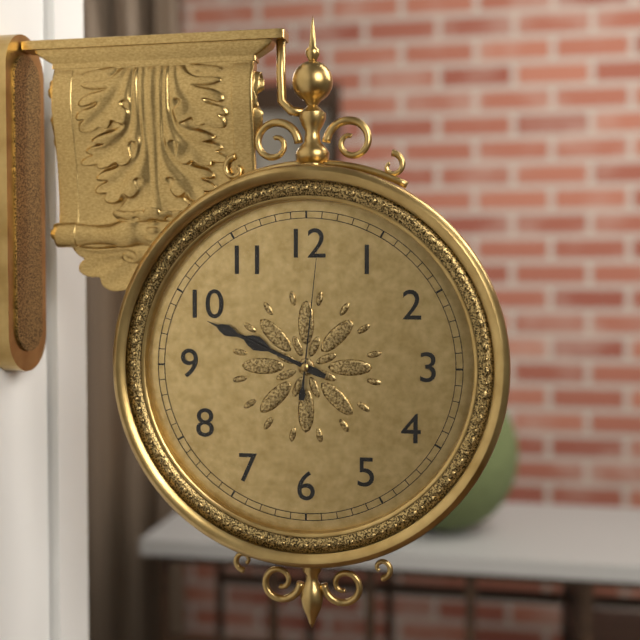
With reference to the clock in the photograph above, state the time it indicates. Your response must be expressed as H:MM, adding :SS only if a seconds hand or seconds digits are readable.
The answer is 9:49:01
